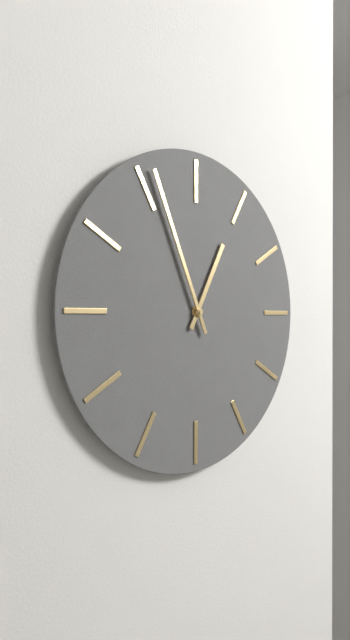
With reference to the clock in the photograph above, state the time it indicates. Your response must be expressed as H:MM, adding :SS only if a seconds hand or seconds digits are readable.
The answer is 12:56
